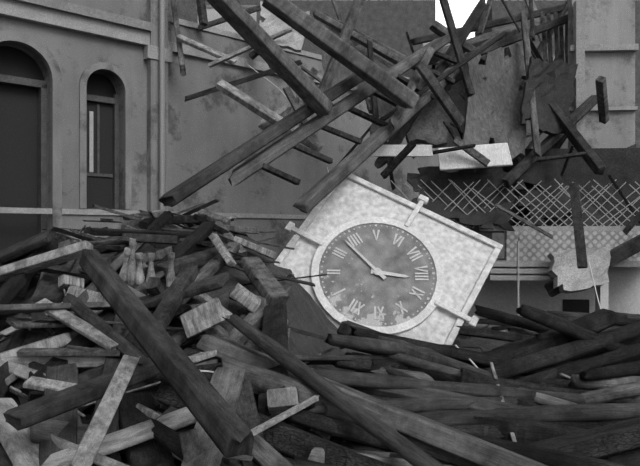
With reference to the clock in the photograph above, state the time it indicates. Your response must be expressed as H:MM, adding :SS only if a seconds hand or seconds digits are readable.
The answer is 8:18
